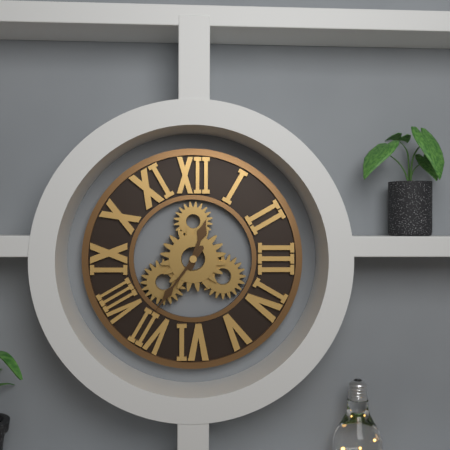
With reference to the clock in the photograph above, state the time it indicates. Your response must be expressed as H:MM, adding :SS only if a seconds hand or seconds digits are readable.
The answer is 12:36
